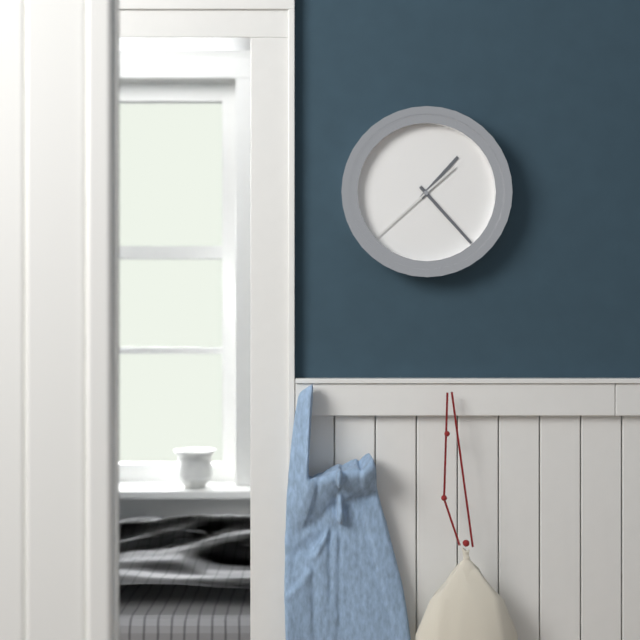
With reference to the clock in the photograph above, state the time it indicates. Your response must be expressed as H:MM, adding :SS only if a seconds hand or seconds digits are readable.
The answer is 1:23:38
